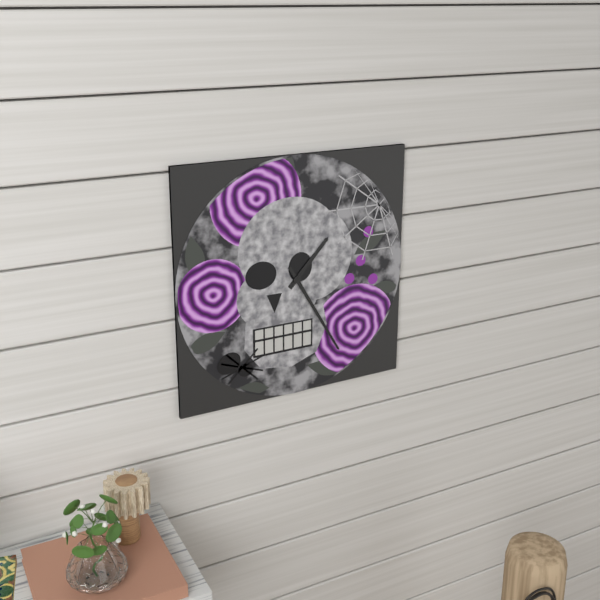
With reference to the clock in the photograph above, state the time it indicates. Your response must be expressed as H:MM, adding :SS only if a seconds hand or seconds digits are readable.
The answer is 1:25
